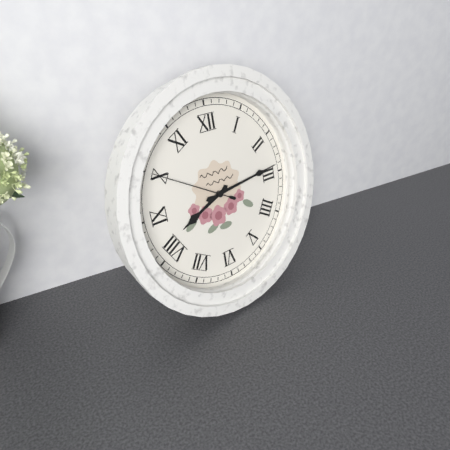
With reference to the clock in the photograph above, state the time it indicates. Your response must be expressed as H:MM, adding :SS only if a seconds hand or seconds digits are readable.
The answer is 8:14:50
